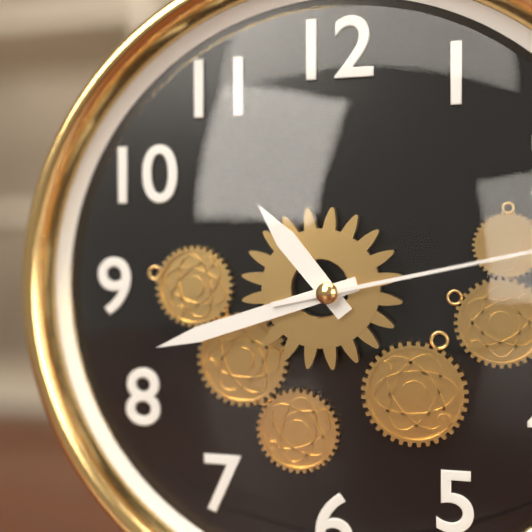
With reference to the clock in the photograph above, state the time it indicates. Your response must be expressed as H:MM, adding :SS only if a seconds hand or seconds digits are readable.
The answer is 10:42
